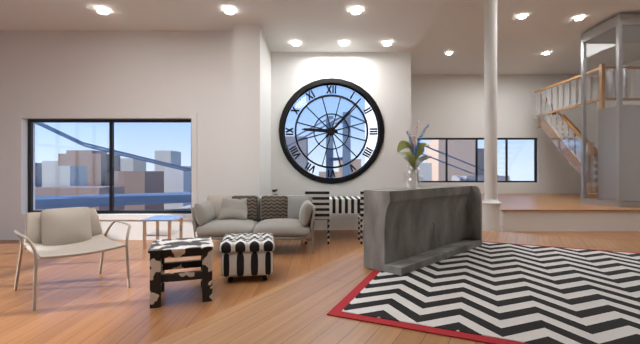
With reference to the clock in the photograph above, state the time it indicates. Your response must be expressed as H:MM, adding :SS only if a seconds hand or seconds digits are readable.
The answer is 9:07
